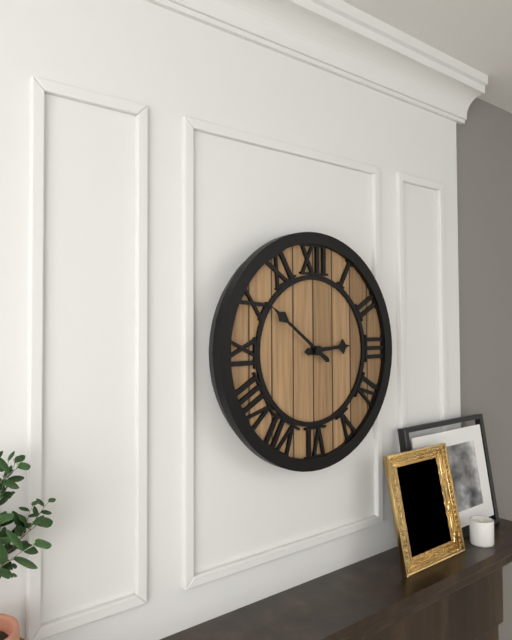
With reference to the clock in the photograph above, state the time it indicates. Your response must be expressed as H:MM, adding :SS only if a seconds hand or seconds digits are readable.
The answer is 2:51
